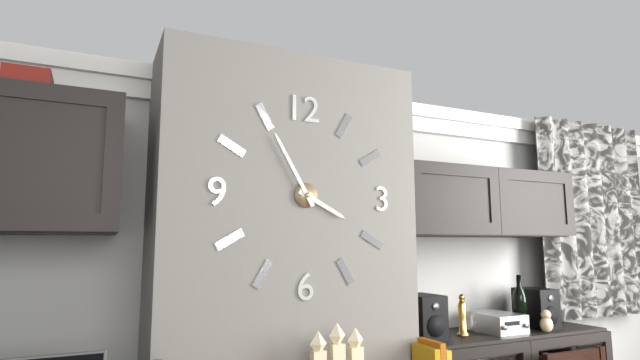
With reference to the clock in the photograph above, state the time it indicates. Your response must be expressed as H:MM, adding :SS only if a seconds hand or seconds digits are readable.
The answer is 3:55
